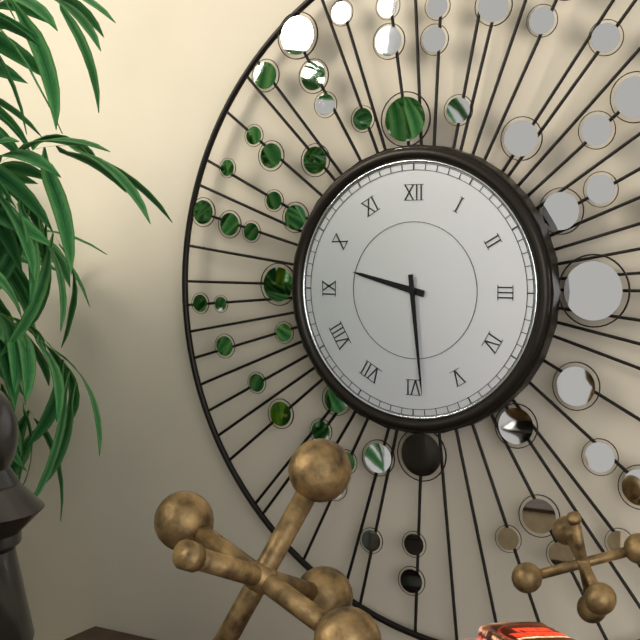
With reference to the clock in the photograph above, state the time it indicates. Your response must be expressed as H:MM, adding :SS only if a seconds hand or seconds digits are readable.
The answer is 9:29
